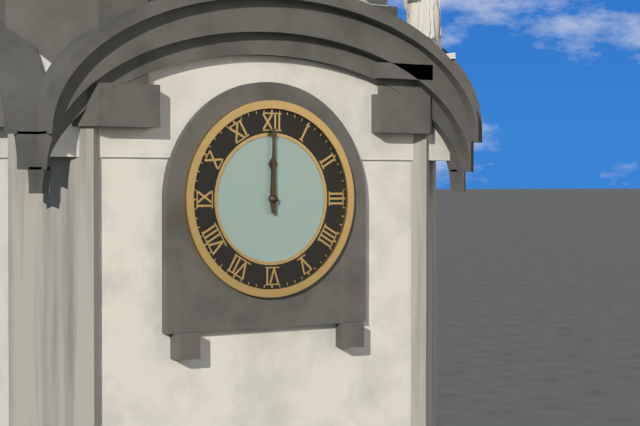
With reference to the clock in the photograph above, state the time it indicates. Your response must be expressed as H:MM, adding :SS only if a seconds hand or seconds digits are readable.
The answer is 12:00
